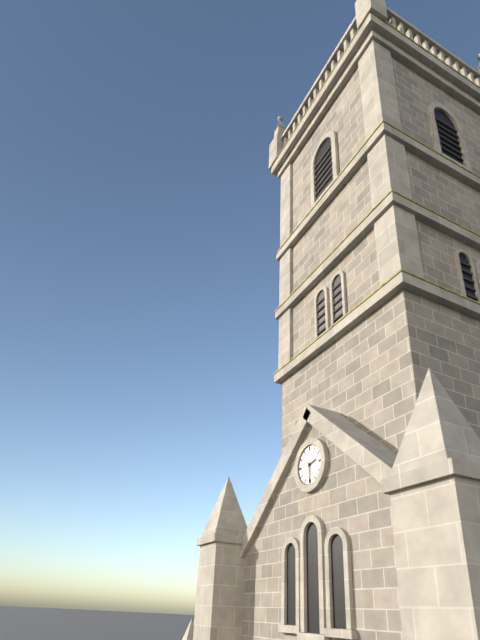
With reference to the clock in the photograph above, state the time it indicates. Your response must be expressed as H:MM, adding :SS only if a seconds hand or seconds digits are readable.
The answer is 2:30
